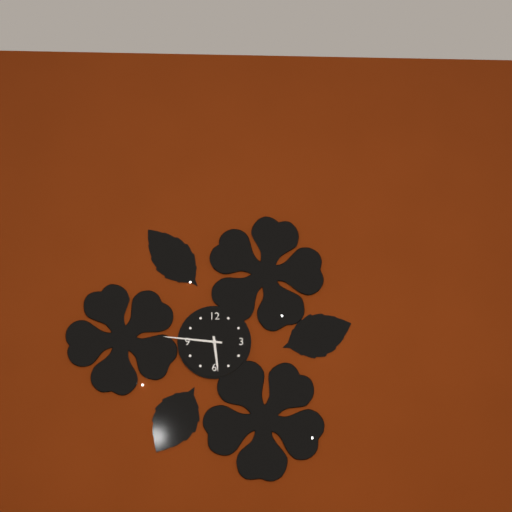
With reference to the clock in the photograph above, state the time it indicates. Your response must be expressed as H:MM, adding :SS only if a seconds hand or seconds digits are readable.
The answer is 5:46
